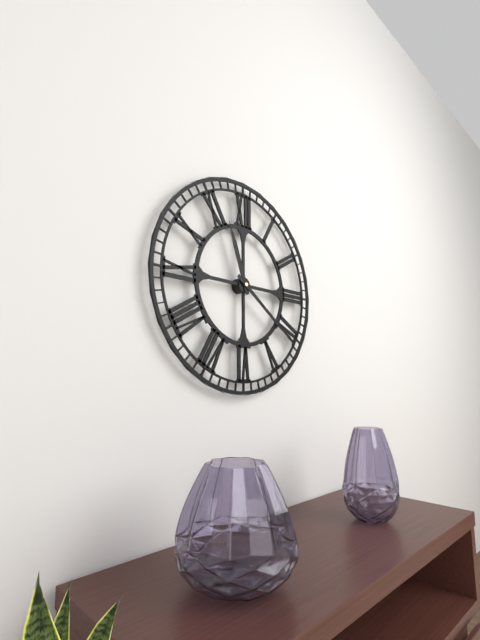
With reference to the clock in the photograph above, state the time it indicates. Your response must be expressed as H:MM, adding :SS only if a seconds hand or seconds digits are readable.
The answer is 11:21
